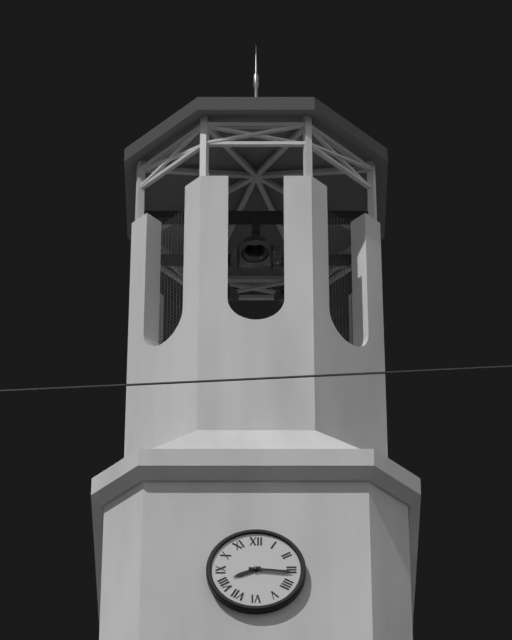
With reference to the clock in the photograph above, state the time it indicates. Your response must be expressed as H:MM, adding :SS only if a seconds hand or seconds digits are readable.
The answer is 8:16
